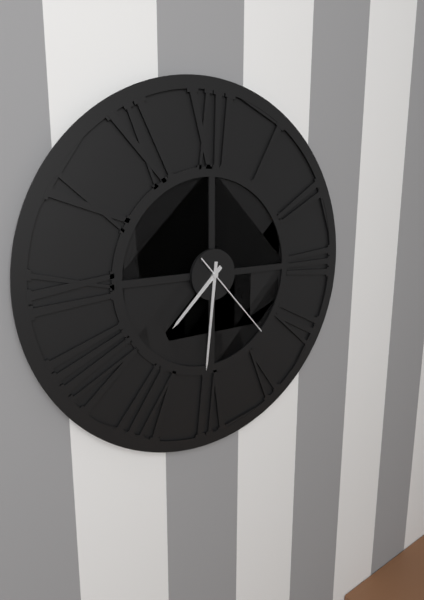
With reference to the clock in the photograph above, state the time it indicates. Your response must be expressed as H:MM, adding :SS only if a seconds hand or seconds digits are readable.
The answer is 7:31:23
